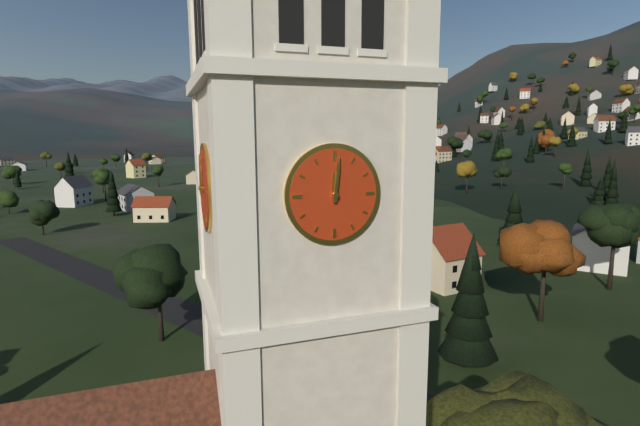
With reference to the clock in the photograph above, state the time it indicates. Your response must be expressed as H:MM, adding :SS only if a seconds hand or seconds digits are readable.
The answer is 12:01
